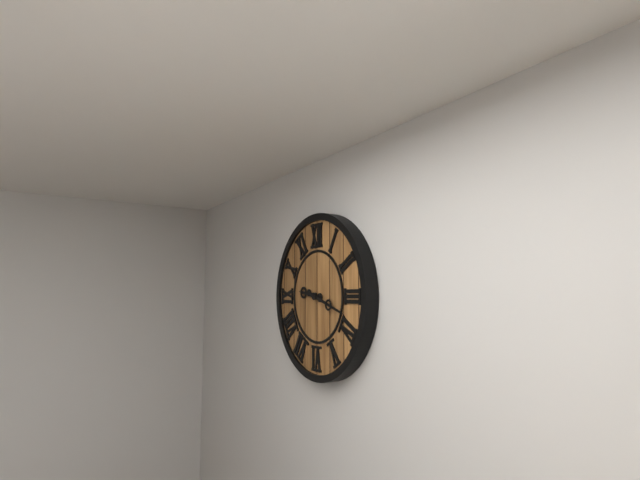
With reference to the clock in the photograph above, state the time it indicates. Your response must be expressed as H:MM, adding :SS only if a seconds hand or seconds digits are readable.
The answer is 9:18
